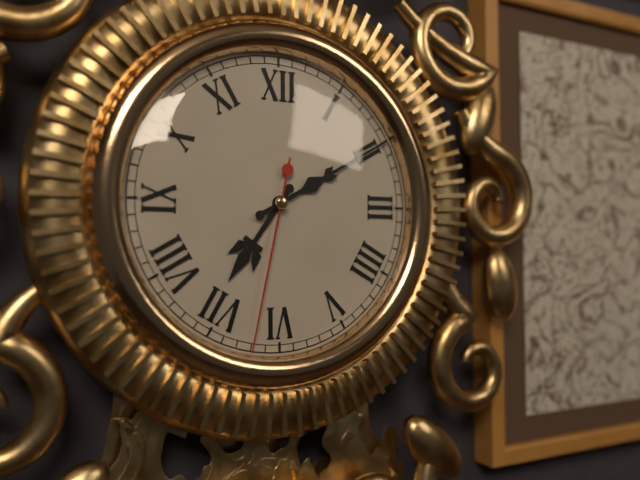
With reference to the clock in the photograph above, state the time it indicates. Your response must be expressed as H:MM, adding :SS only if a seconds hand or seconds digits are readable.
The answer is 7:10:32
